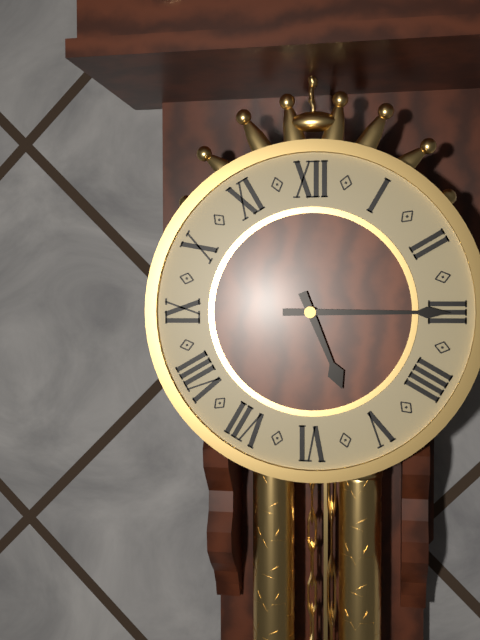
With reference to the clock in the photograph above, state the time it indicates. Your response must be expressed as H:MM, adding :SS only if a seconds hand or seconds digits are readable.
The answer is 5:15
